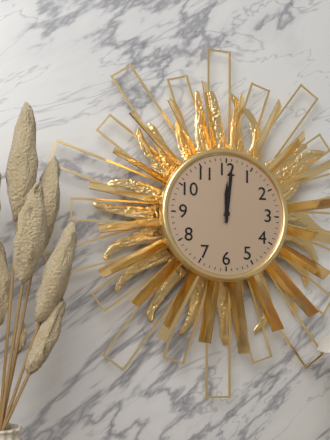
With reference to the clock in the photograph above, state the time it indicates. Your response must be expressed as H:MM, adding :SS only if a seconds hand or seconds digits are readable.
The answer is 12:01
